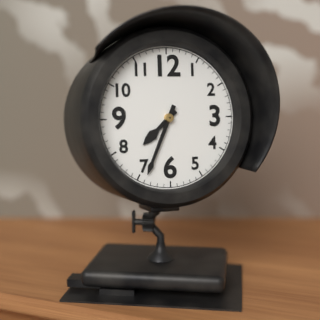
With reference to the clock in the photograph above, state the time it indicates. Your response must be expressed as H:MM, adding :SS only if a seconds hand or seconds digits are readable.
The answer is 7:34
